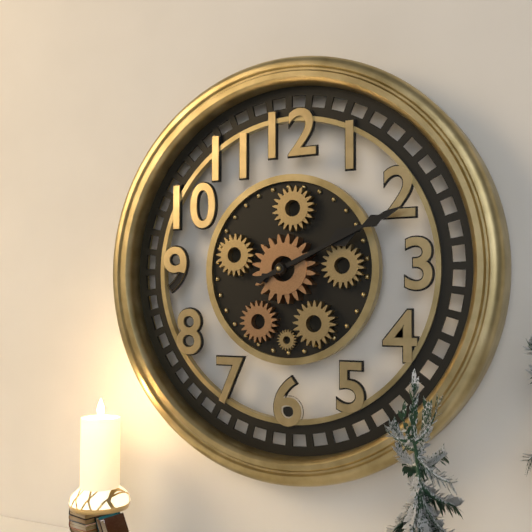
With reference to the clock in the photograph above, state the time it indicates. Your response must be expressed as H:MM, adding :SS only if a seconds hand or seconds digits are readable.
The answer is 2:11
